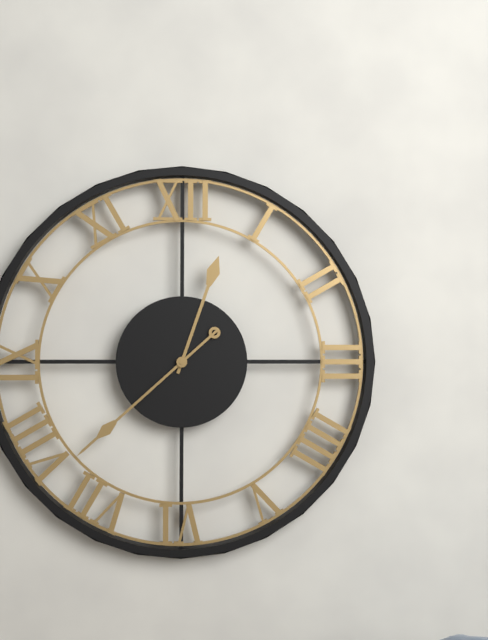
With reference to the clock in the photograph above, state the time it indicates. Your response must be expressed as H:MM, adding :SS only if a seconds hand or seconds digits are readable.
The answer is 12:38
